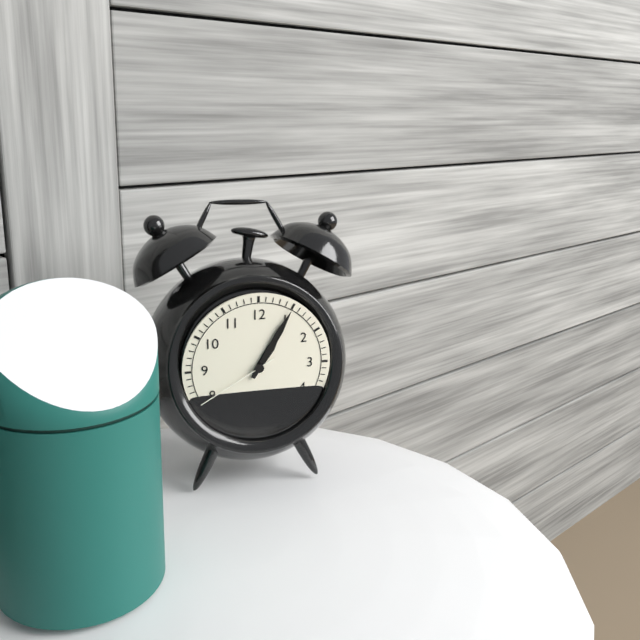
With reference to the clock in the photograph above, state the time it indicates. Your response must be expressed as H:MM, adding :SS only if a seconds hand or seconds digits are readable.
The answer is 1:05:40
